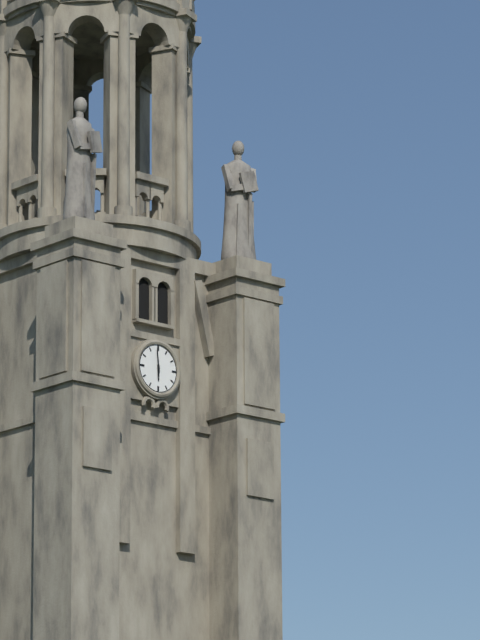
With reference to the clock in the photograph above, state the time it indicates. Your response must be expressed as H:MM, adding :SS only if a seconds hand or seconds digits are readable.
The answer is 5:59
